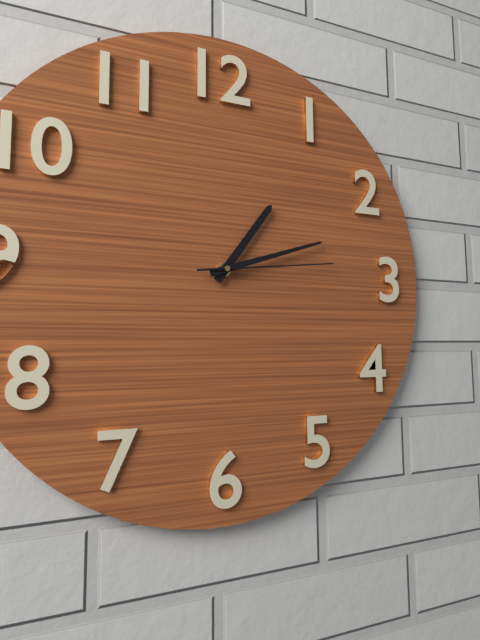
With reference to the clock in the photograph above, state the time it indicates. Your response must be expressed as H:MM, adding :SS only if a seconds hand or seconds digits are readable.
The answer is 1:12:14
